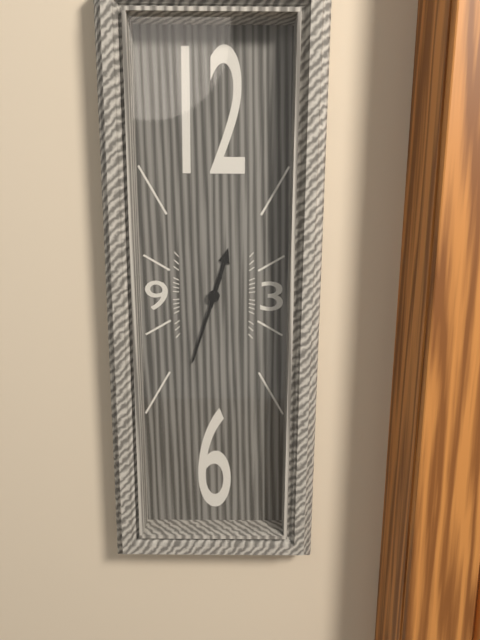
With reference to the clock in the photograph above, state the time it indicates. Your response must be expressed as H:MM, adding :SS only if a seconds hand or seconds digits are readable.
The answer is 12:33
